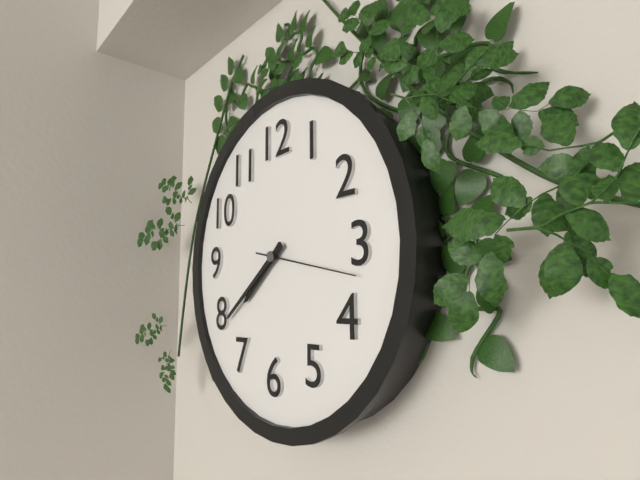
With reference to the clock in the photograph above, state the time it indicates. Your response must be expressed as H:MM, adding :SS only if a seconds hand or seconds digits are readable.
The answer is 7:39:17
